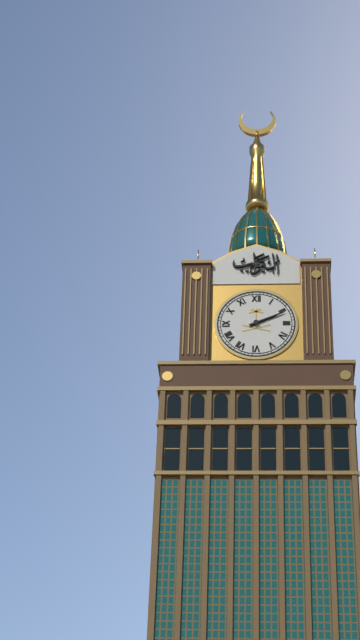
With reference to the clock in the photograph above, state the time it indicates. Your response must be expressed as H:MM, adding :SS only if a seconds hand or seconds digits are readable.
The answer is 2:11
